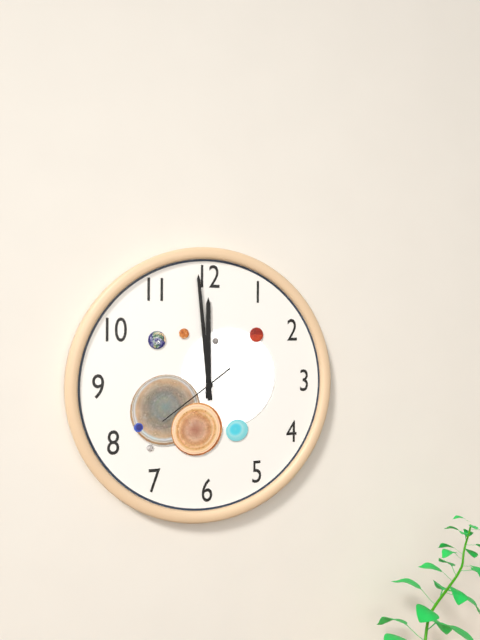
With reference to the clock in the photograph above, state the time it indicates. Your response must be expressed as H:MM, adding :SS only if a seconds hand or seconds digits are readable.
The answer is 11:59:39
